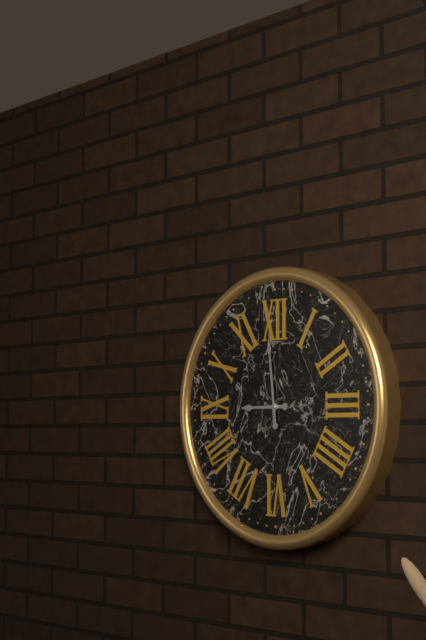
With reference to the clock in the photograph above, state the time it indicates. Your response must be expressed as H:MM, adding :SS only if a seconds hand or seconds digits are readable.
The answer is 8:59
